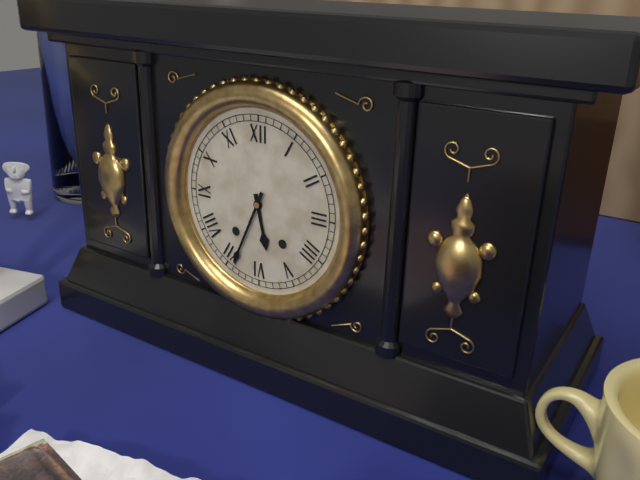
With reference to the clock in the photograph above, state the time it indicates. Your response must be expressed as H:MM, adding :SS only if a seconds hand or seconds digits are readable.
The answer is 5:34
